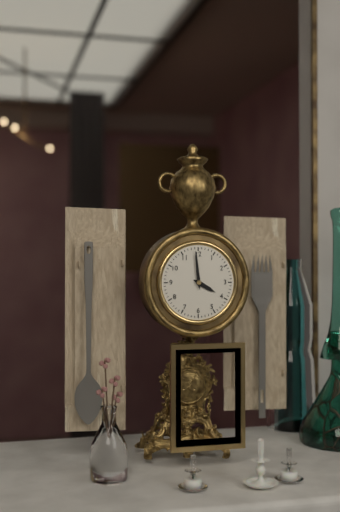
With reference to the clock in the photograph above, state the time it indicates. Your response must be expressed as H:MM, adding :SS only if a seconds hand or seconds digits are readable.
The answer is 3:59
